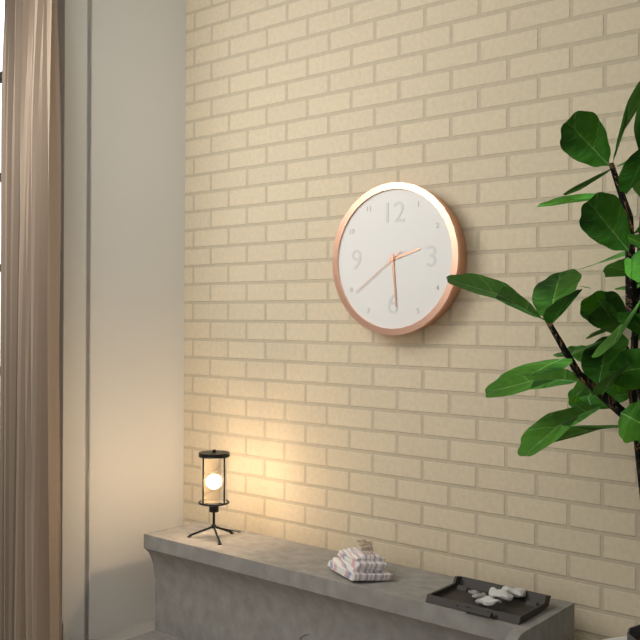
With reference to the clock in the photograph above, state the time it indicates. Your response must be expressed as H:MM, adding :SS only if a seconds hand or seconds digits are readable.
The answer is 2:29:39
